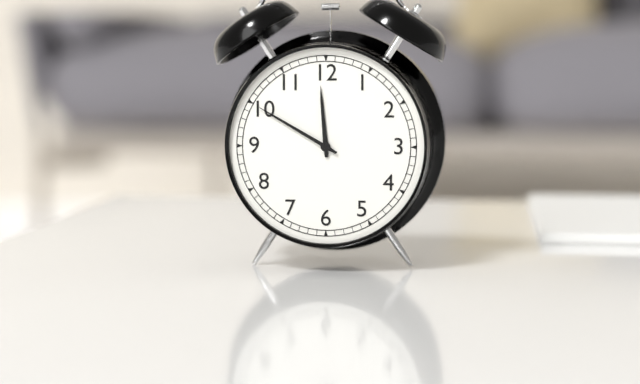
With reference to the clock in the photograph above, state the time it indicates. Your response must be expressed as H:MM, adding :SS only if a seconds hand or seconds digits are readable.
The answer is 11:50
